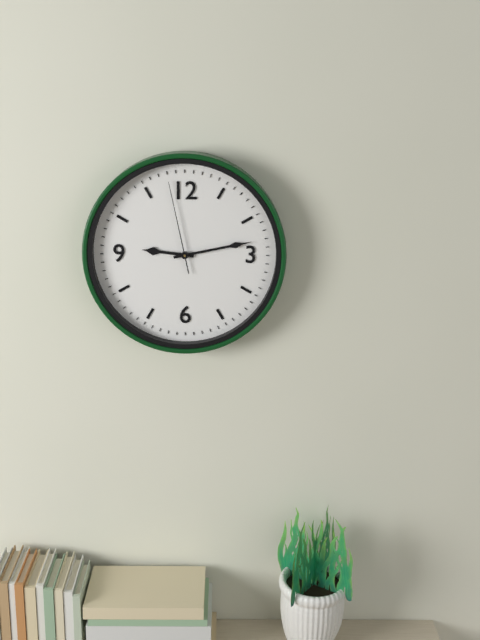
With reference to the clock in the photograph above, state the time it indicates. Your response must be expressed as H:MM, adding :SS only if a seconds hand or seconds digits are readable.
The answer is 9:13:58
